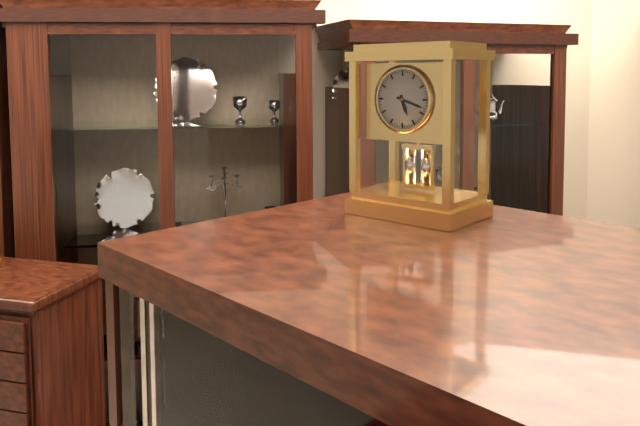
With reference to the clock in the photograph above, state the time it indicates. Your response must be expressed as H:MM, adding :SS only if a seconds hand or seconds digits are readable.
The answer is 5:18
